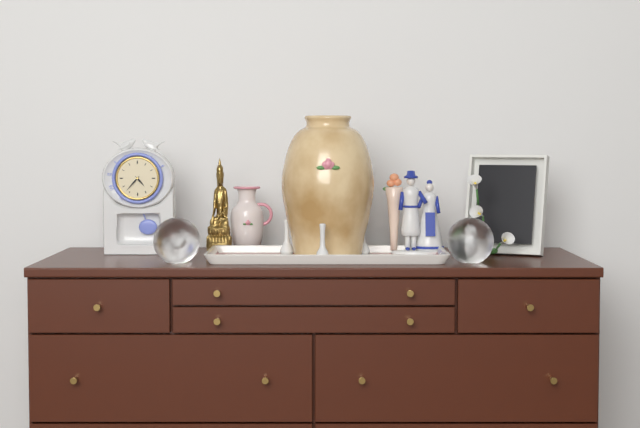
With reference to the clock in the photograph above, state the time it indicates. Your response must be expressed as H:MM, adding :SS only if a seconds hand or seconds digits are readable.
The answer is 4:37
